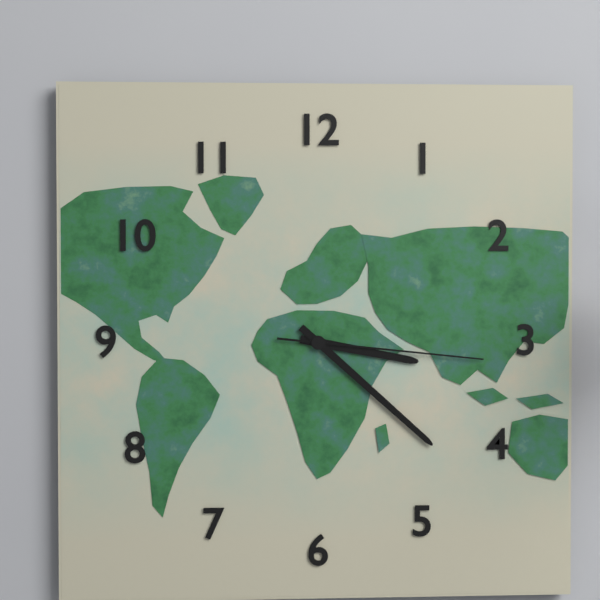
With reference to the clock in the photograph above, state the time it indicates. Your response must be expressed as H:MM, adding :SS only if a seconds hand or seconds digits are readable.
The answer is 3:22:16
